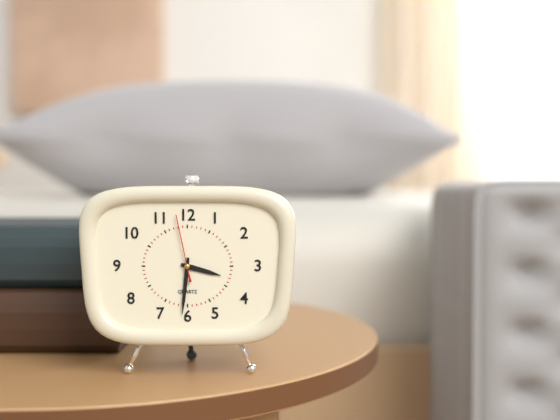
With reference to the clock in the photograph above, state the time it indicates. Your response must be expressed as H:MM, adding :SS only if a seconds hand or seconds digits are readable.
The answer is 3:31:58
